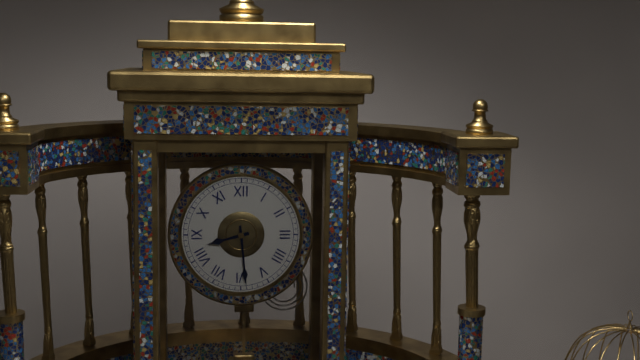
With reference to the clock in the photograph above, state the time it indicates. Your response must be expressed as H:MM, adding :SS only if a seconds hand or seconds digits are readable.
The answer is 8:29
